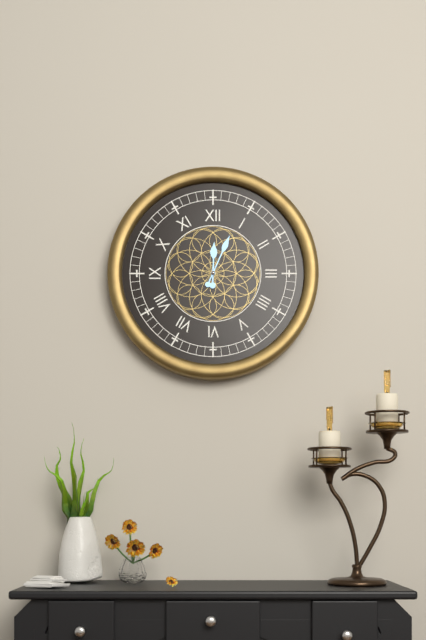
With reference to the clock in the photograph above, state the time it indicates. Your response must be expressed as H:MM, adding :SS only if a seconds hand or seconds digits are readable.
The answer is 12:04
